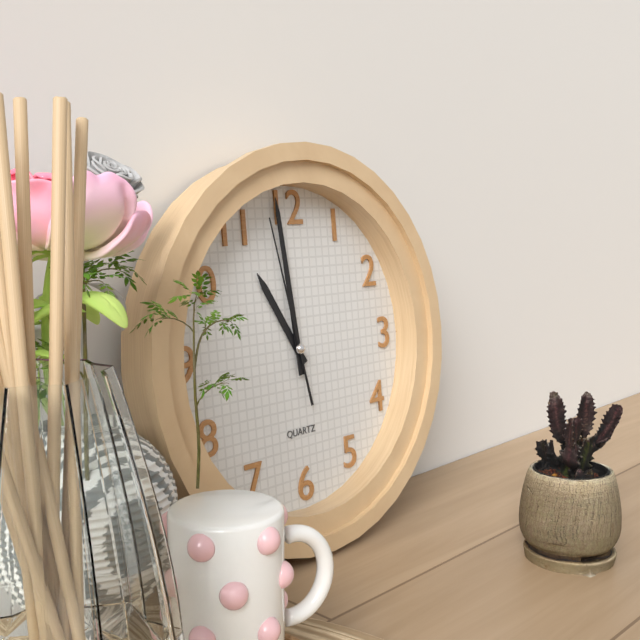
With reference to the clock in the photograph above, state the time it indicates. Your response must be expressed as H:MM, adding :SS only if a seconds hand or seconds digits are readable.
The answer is 10:59:58
